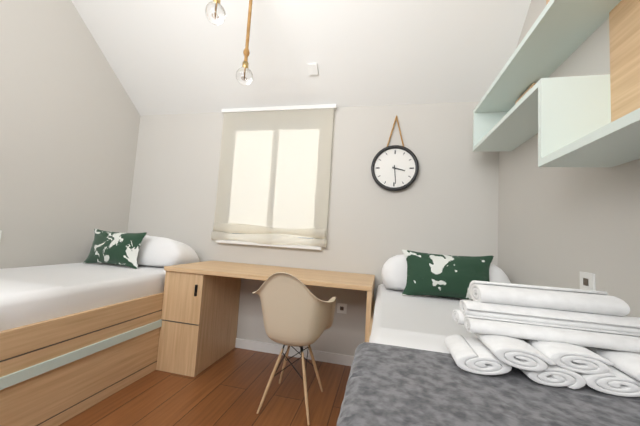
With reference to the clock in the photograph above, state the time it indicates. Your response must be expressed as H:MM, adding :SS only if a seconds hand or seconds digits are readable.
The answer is 3:29
